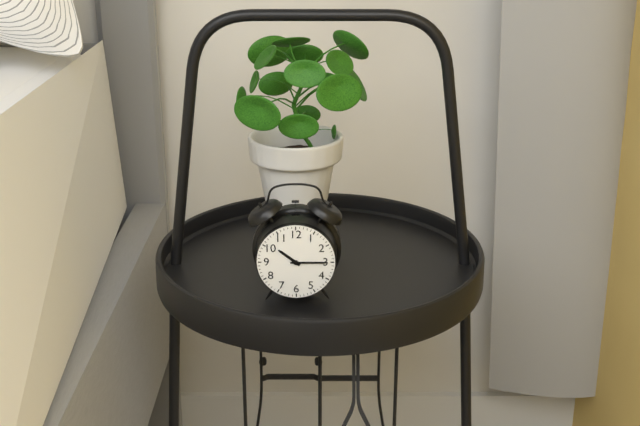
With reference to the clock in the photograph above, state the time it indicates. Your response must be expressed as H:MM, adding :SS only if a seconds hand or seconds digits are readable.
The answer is 10:15
